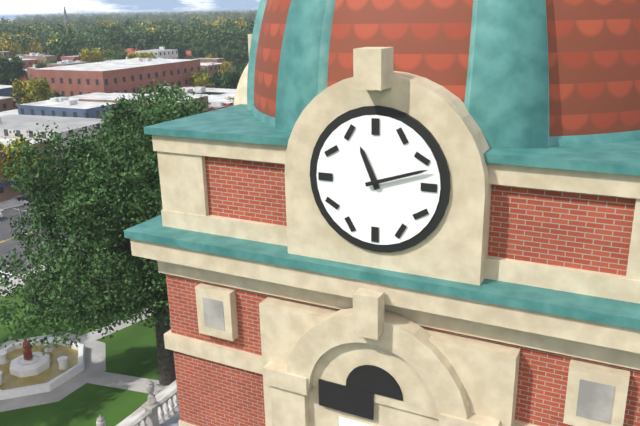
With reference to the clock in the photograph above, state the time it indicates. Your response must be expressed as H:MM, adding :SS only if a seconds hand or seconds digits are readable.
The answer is 11:12
